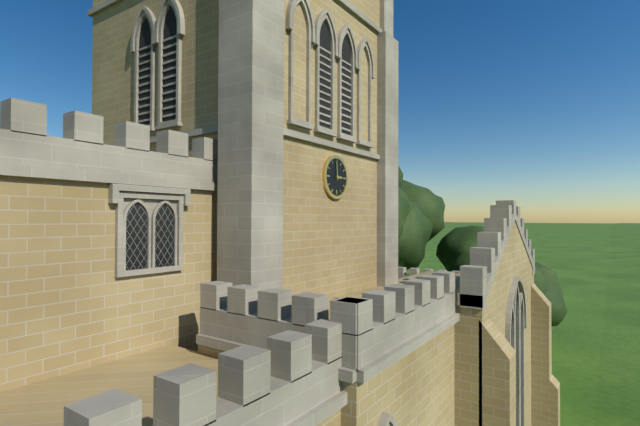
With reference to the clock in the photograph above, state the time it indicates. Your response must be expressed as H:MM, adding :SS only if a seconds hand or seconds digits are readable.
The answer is 2:59
